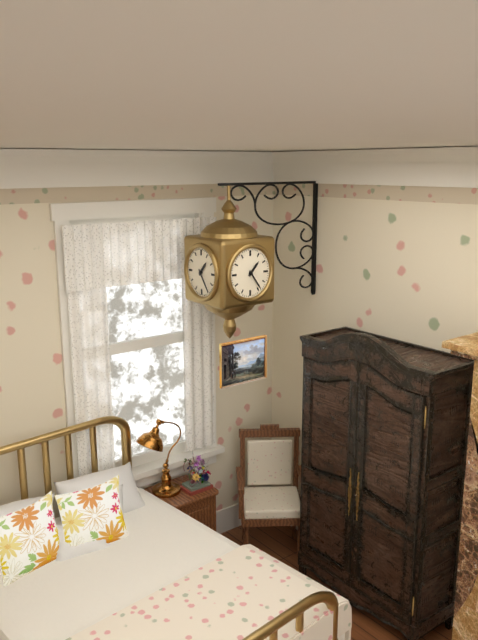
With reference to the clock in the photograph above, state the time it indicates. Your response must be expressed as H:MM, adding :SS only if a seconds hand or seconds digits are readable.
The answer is 1:24
